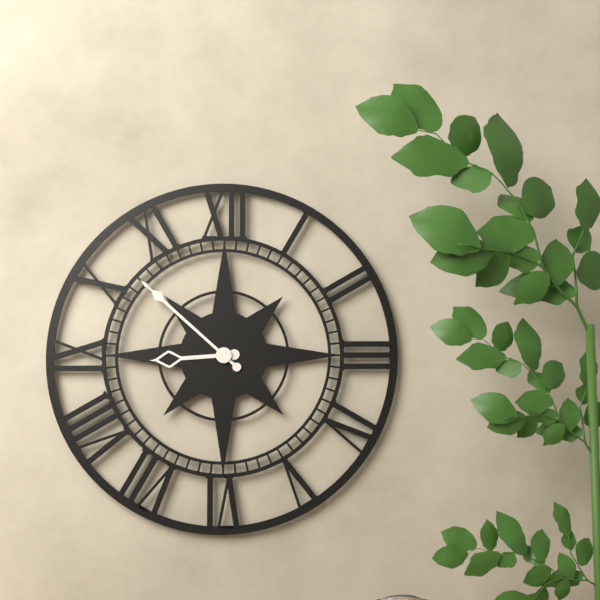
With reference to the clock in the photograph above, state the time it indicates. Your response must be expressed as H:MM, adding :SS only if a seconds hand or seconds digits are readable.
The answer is 8:52
